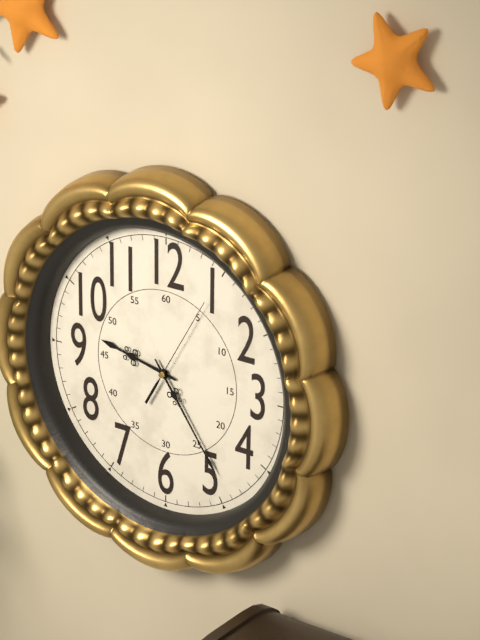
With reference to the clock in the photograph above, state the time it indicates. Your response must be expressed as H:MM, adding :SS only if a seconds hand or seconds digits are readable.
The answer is 9:24:05
